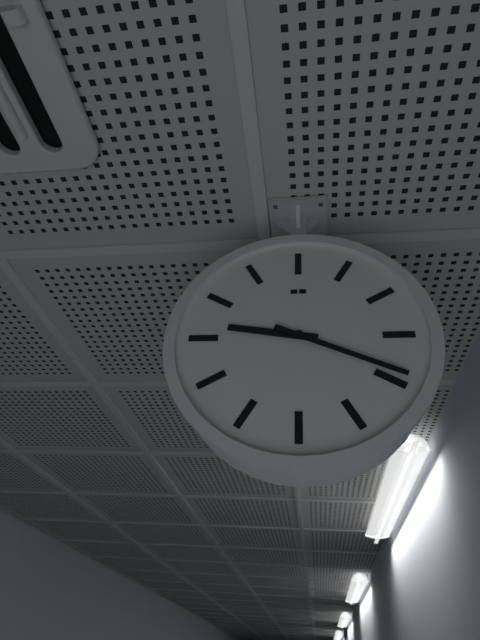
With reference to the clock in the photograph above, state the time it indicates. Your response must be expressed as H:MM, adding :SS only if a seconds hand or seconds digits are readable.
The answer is 9:19
